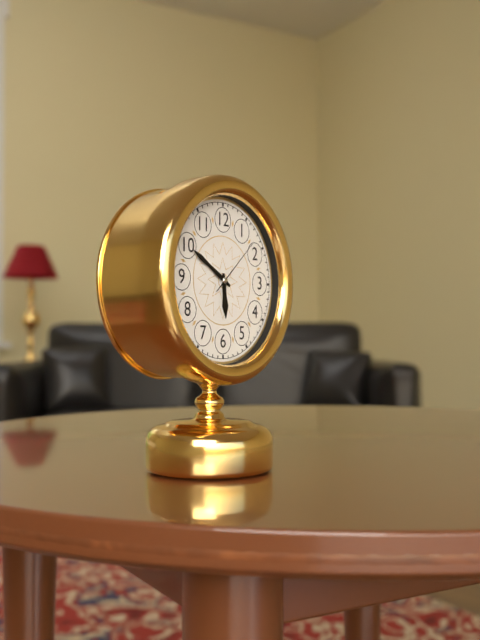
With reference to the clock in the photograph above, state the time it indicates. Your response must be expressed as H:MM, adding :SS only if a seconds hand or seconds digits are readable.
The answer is 5:50:08
